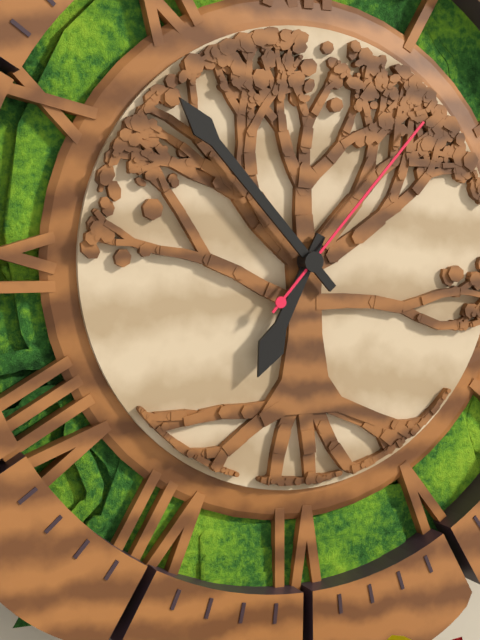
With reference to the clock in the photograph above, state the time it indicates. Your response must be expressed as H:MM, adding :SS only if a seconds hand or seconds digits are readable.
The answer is 6:53:07
